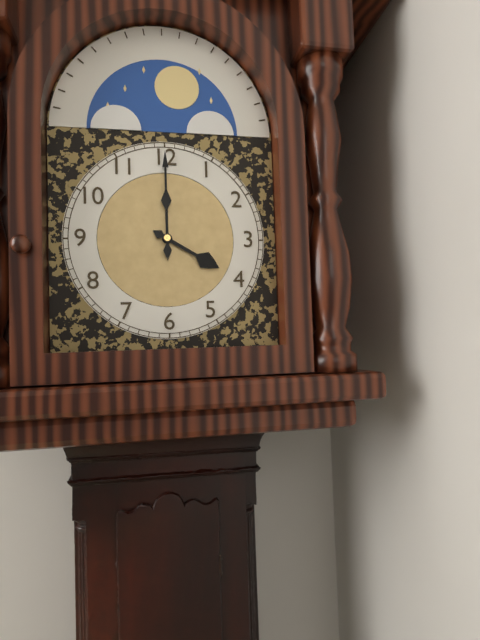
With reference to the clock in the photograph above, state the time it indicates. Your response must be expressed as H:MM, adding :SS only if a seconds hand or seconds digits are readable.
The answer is 4:00
